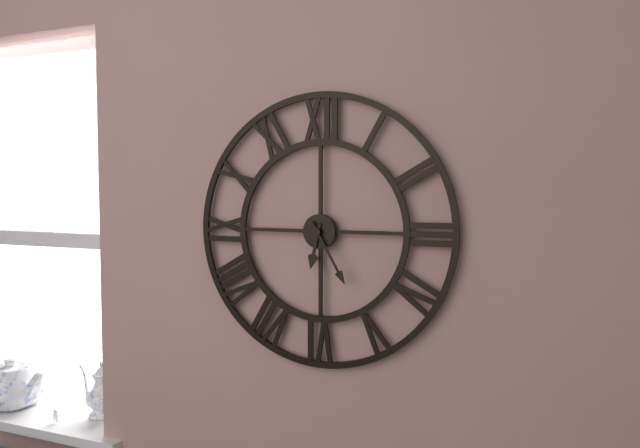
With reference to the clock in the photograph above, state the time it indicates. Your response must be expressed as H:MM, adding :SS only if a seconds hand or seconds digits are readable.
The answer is 6:25
